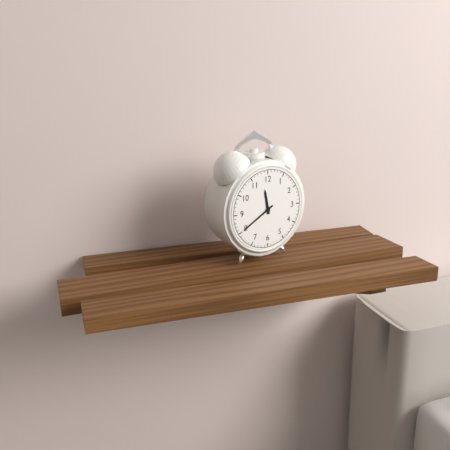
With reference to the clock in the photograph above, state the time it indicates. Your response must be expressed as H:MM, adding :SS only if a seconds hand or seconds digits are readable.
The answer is 11:40
